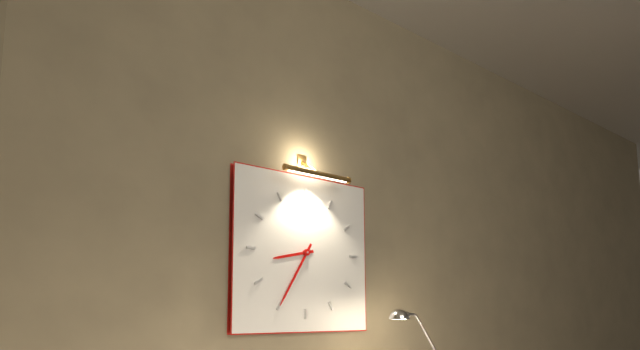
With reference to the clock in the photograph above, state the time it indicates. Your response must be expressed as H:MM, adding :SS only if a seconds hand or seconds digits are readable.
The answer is 8:35
